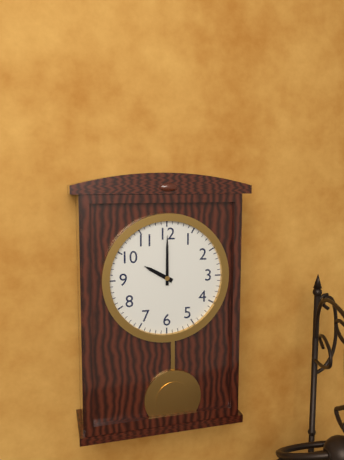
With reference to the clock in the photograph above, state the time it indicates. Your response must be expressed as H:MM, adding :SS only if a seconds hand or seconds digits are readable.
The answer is 10:00
